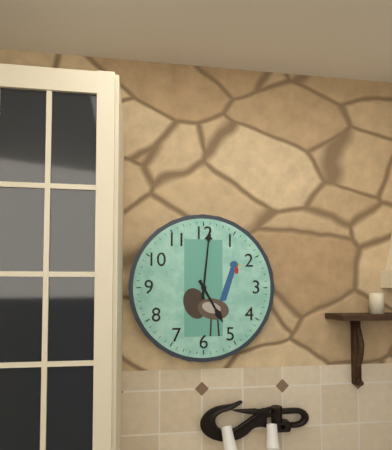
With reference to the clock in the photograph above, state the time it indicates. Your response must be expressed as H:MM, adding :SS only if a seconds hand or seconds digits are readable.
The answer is 5:01
